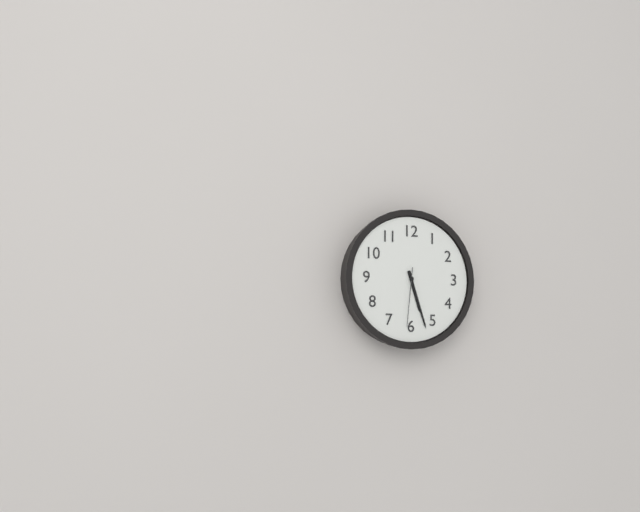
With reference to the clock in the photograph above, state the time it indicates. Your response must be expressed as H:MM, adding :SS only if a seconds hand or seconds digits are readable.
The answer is 5:27:31
